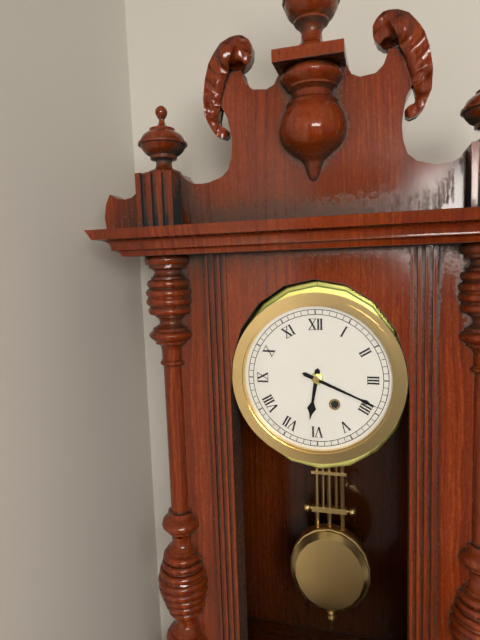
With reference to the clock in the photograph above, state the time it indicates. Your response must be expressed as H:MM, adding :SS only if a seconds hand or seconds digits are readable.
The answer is 6:19
